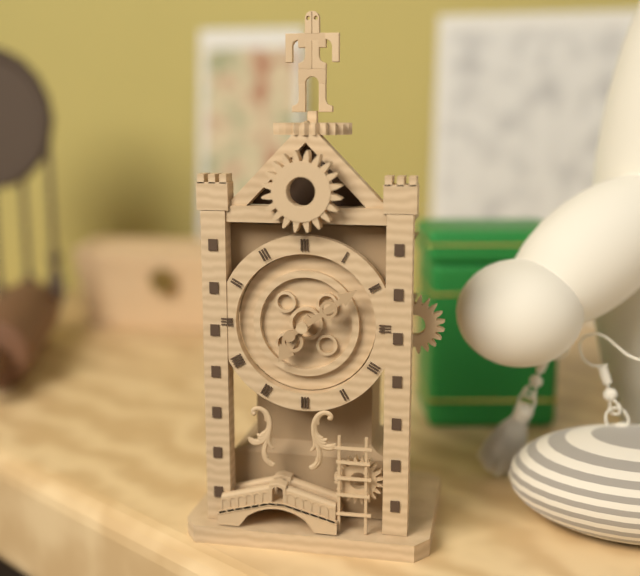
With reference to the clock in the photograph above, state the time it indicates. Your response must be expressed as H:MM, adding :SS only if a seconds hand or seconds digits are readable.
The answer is 7:09
